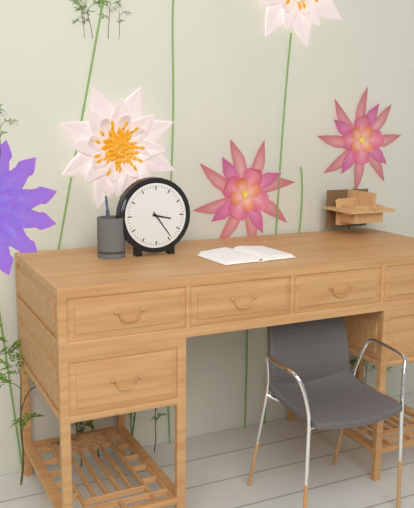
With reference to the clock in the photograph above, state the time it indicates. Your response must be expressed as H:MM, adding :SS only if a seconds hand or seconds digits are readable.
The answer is 3:24
